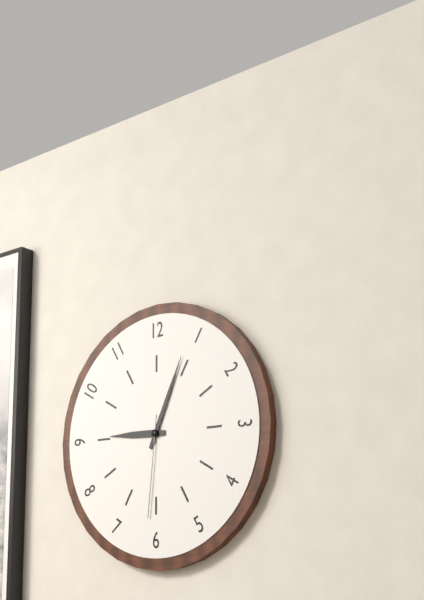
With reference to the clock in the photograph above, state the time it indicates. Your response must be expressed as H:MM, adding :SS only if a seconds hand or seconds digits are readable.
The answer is 9:04:31
